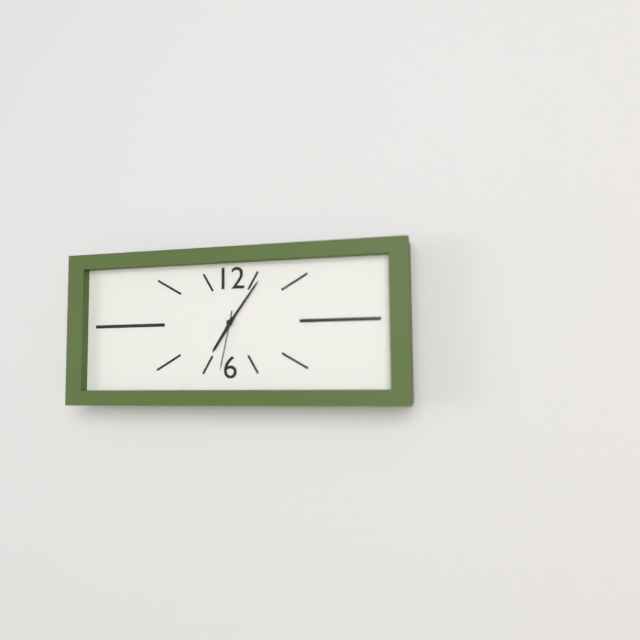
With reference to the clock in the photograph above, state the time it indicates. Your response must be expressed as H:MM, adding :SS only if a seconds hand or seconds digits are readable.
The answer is 7:06:32
